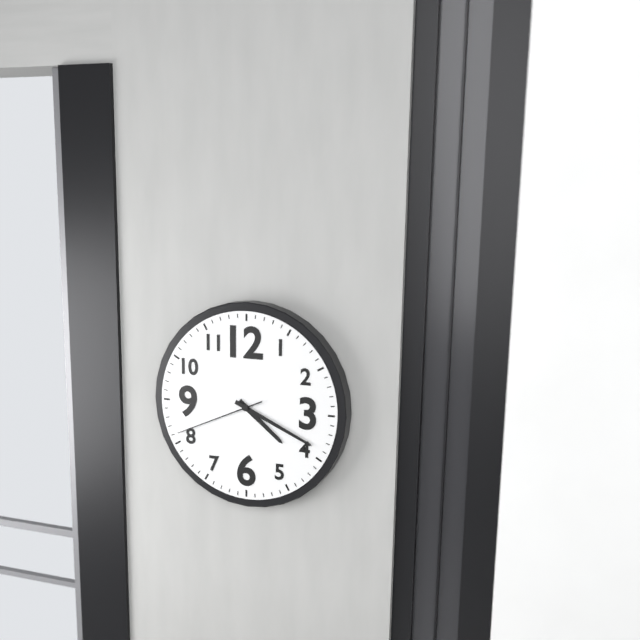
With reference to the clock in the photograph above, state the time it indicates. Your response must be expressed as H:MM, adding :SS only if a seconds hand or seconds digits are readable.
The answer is 4:19:41
